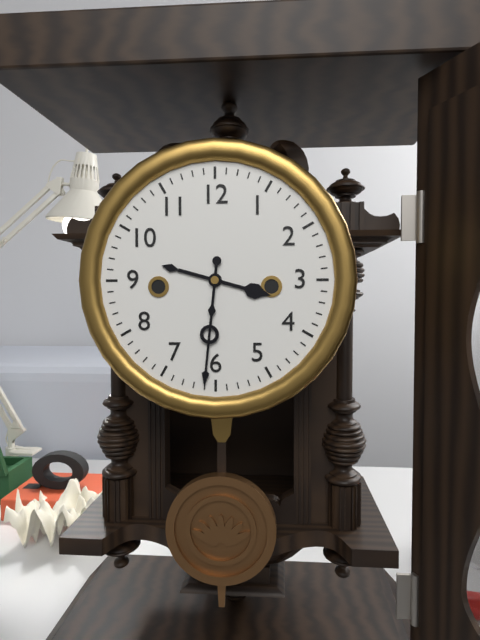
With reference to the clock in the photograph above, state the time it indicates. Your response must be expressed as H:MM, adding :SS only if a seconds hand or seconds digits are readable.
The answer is 3:31
